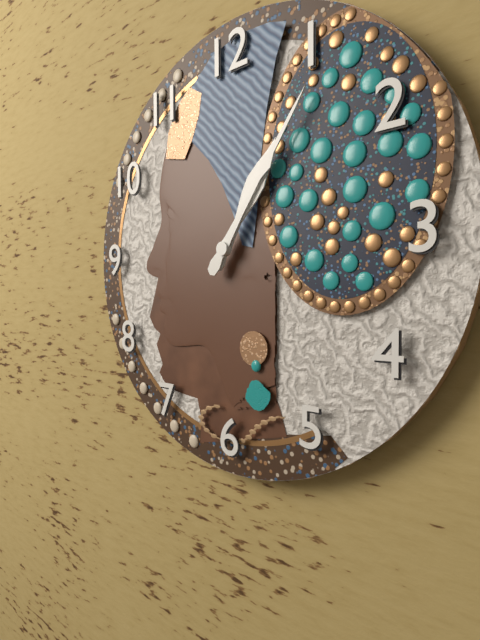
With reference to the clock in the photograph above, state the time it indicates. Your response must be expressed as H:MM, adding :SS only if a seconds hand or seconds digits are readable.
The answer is 1:06
